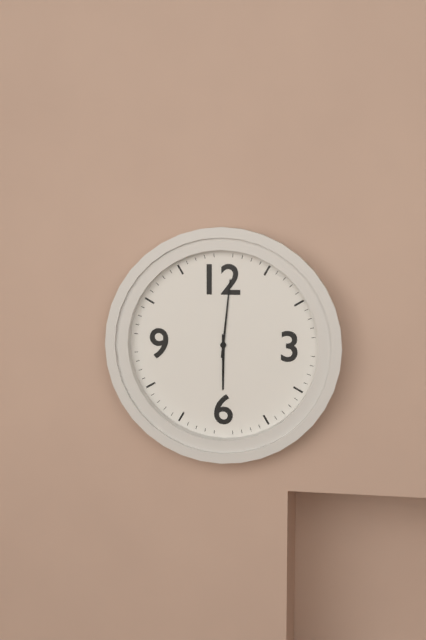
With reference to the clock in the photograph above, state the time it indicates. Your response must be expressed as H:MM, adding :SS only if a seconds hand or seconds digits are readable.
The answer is 6:01
